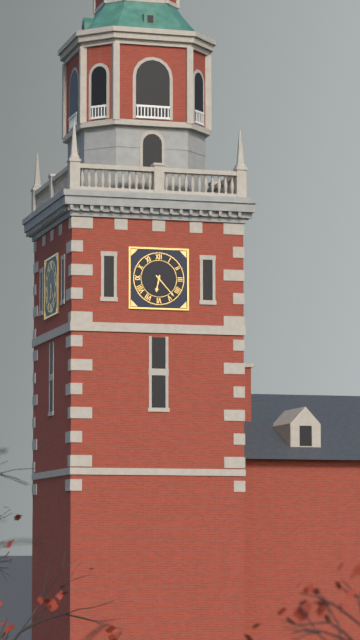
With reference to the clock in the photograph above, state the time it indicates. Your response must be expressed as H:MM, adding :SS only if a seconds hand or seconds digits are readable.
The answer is 6:23
